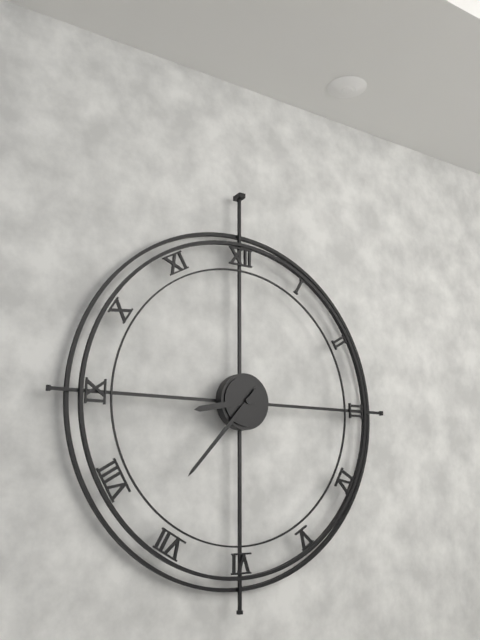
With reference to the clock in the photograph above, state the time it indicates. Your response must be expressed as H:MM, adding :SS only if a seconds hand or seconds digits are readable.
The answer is 8:37
